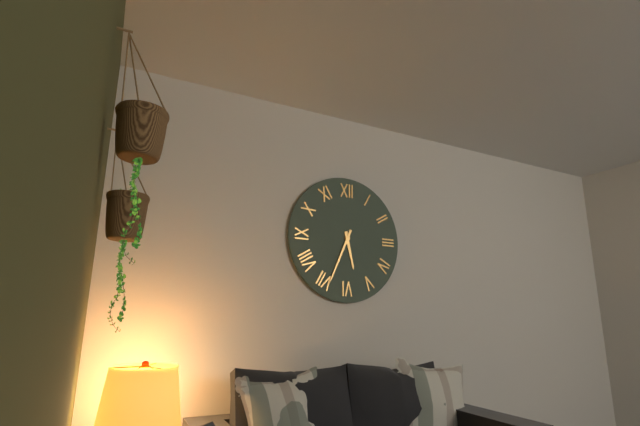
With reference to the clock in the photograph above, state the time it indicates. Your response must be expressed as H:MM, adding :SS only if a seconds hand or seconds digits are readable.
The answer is 5:34
